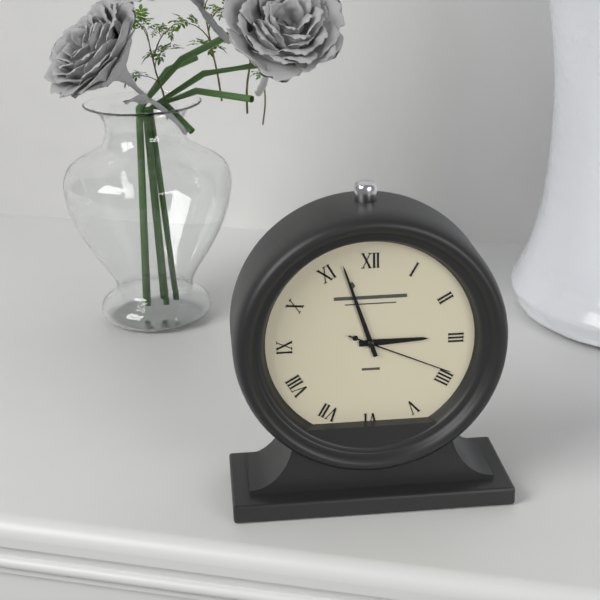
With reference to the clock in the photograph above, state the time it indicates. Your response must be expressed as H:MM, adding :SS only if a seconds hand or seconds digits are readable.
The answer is 2:57:19
